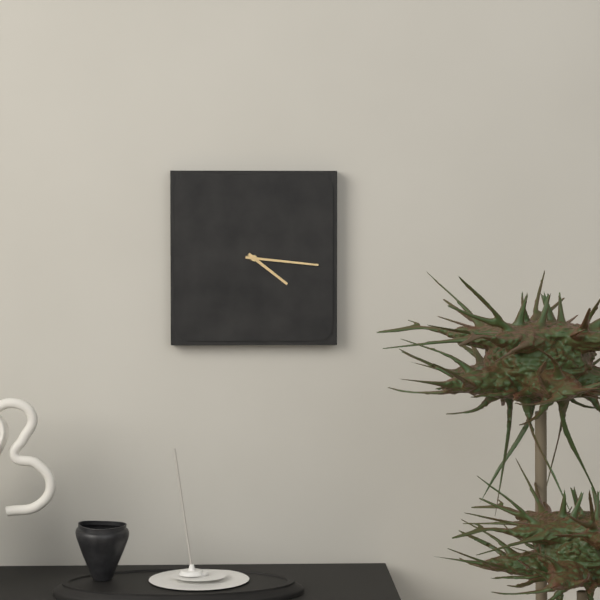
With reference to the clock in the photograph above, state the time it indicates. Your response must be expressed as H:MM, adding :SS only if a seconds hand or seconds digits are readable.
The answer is 4:16
